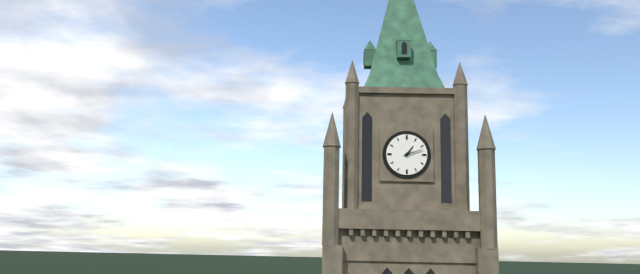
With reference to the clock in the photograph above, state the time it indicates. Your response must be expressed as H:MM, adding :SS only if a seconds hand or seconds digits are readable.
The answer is 1:12
